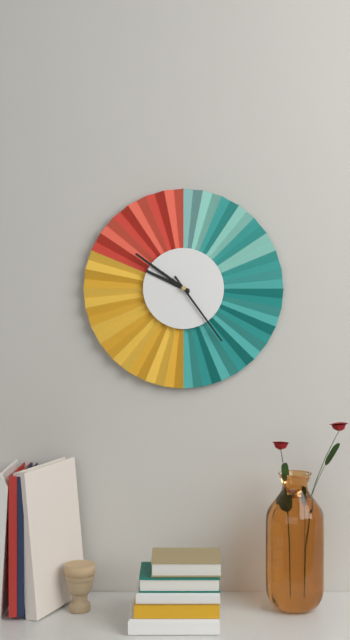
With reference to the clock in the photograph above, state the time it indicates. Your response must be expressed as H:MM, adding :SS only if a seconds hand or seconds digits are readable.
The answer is 9:51:24
